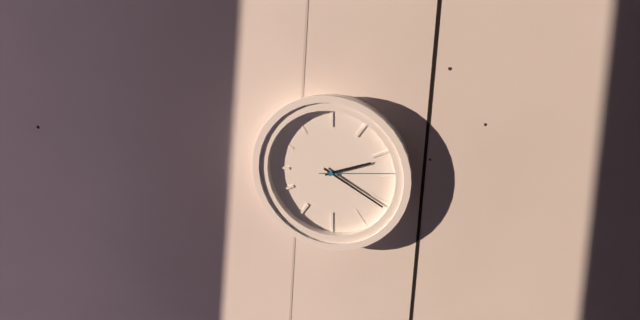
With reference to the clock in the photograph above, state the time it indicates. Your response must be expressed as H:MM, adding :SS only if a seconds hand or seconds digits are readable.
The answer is 2:20:14
